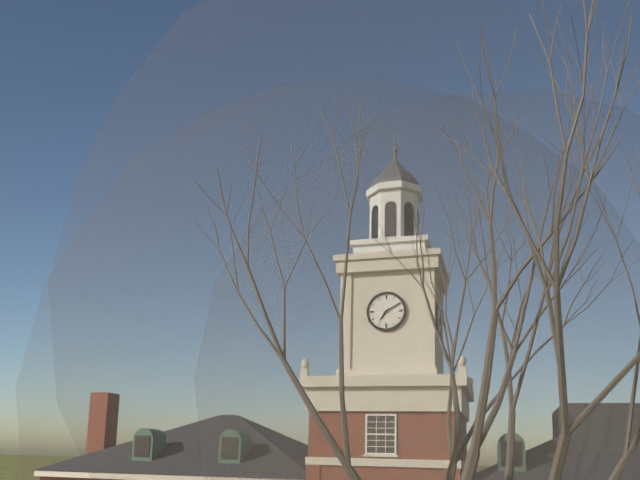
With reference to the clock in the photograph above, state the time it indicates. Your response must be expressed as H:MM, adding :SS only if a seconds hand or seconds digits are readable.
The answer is 7:10
